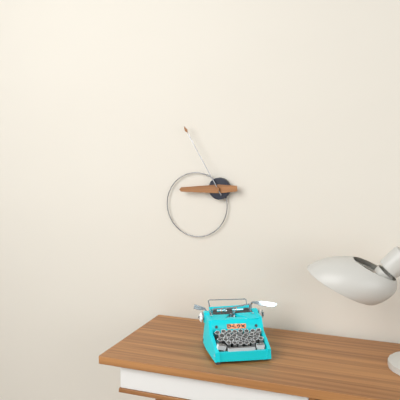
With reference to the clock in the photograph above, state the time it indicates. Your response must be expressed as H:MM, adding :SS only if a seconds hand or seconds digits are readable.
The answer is 8:55
